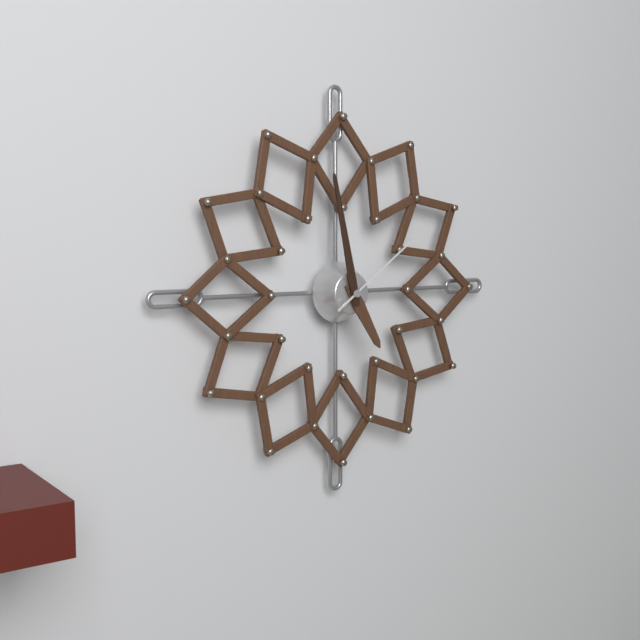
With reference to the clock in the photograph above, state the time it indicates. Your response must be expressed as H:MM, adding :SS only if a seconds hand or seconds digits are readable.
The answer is 4:58:09
